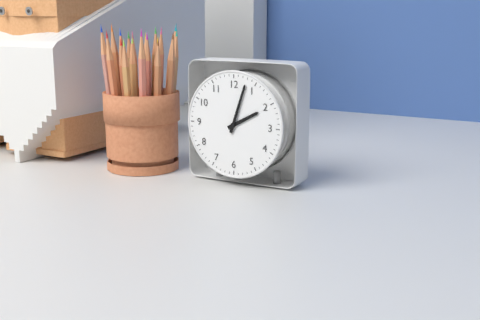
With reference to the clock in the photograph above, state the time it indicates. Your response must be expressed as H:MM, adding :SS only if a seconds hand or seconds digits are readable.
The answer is 2:03
